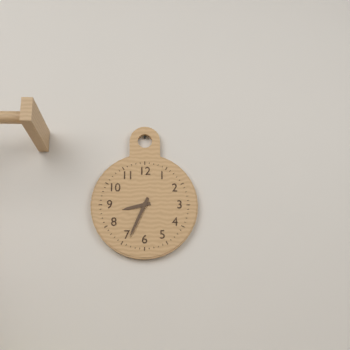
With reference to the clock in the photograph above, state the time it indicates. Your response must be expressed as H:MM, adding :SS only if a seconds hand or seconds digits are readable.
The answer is 8:34
